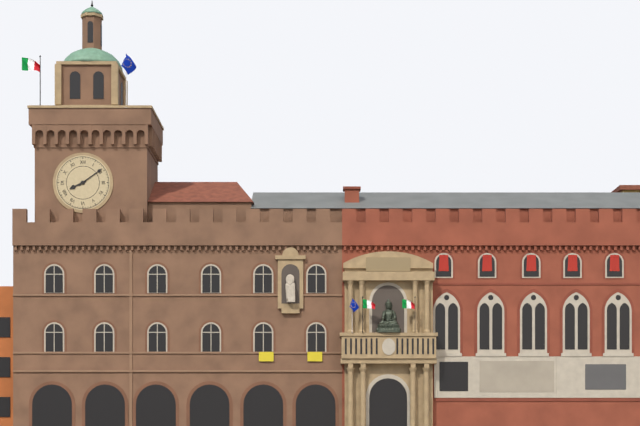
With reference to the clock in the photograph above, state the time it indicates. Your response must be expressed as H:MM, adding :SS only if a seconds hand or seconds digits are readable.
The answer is 8:09
